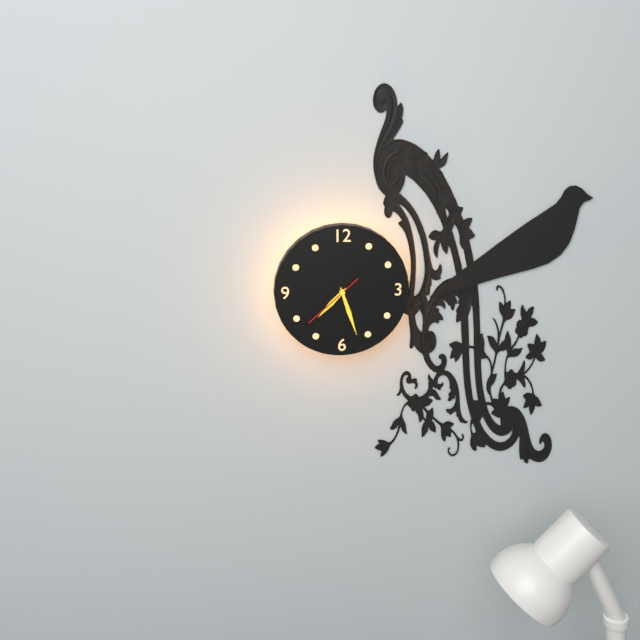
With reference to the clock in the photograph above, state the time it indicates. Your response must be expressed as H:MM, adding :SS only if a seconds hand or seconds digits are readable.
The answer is 7:27:38
